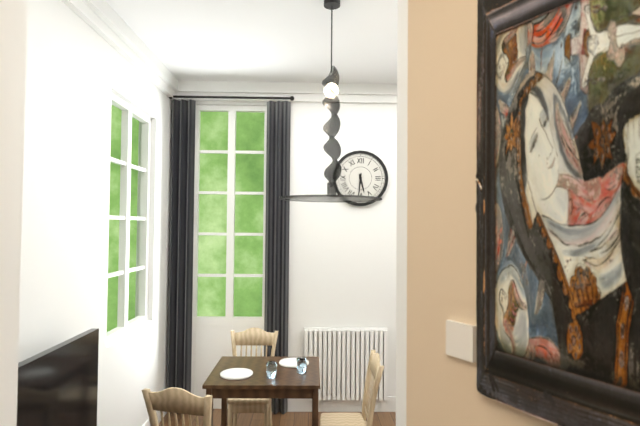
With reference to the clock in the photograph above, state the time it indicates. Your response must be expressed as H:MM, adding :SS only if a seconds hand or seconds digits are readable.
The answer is 5:31
